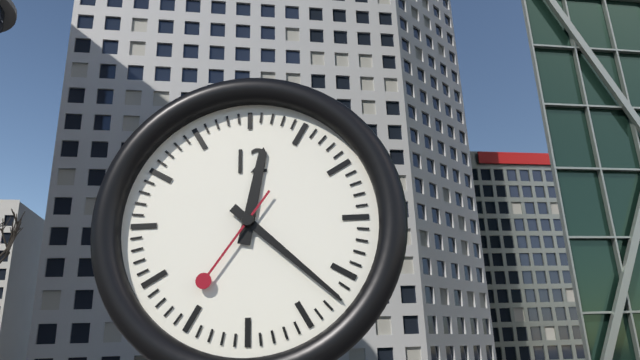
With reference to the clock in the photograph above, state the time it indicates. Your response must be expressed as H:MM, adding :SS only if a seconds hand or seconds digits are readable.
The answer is 12:22:36
